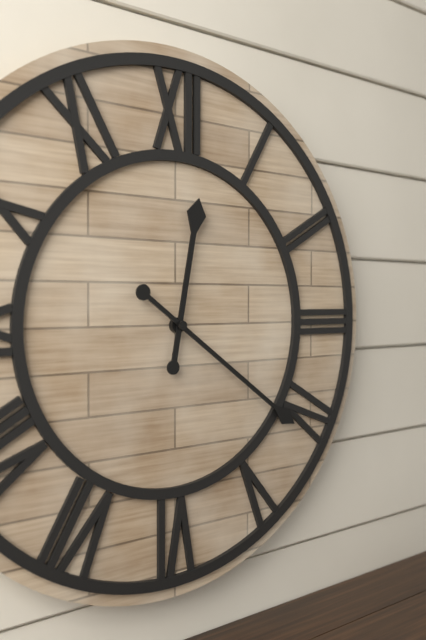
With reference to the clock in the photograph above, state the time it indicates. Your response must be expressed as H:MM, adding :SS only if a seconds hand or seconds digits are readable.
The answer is 12:21
